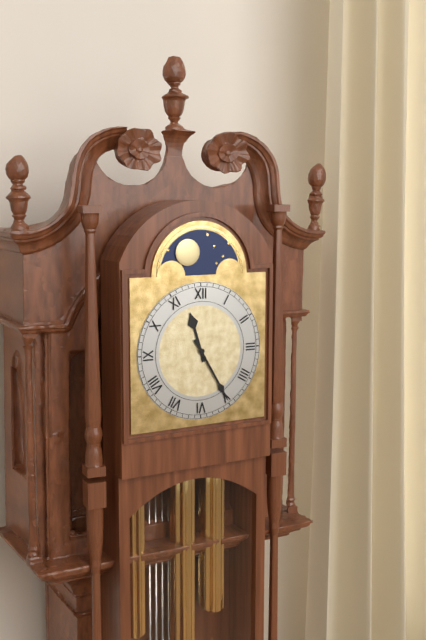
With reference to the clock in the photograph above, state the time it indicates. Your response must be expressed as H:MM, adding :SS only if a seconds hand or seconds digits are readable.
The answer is 11:25
